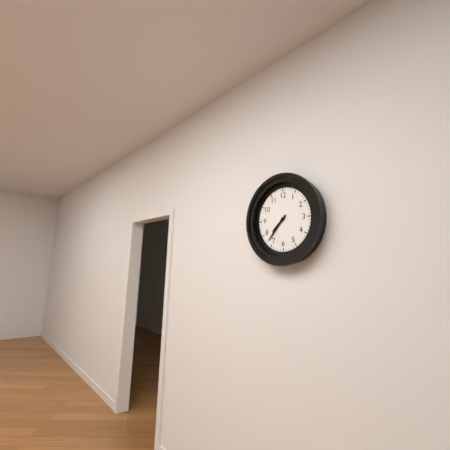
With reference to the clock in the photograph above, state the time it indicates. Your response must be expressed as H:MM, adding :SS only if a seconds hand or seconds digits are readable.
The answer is 7:37
